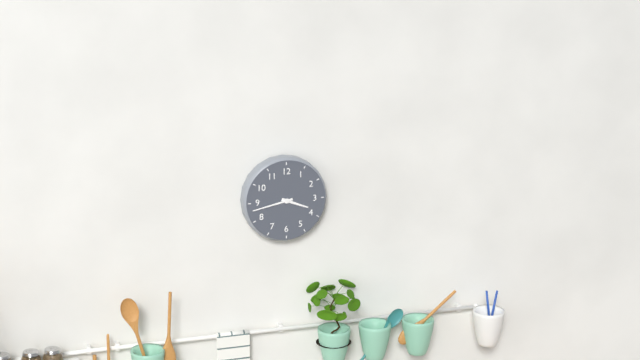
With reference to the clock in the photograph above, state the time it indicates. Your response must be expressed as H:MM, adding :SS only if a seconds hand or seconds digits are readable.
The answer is 3:43
